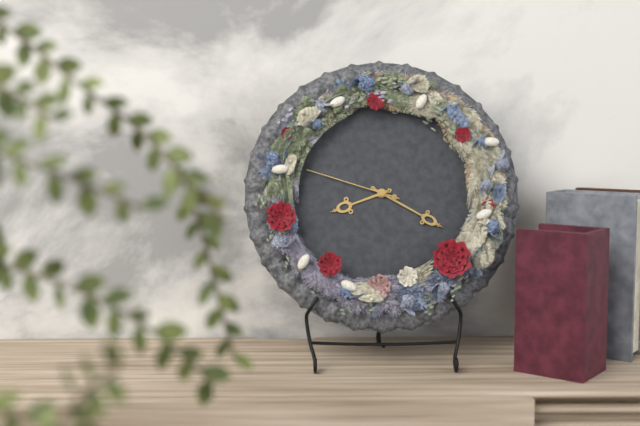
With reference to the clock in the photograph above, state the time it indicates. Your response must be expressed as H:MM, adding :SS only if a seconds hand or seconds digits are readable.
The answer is 8:20:48
